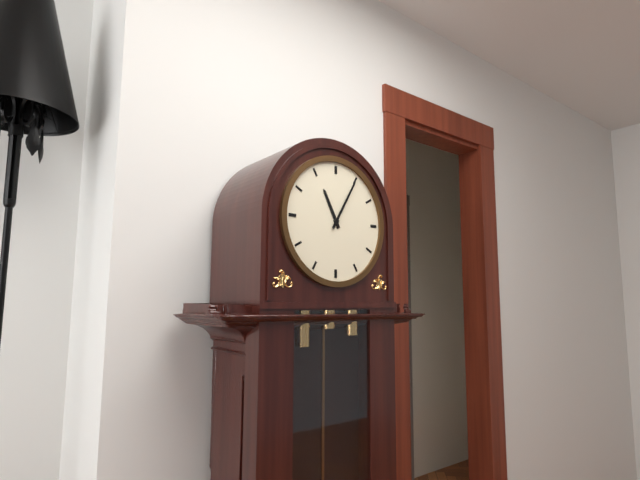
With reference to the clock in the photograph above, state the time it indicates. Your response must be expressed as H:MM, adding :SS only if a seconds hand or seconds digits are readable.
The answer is 11:05
